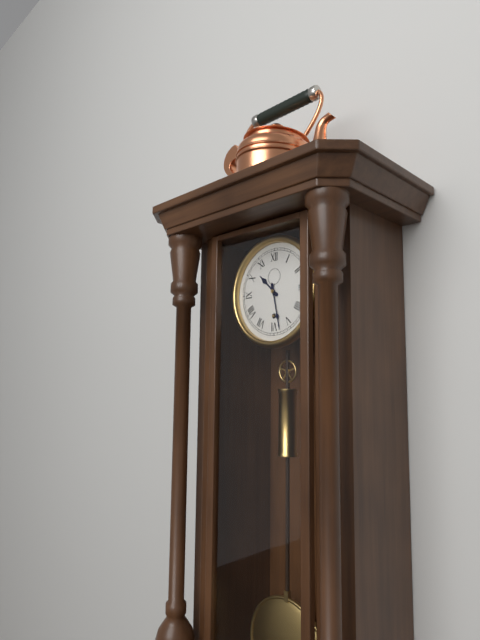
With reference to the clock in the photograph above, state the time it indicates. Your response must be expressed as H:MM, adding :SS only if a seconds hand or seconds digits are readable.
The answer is 10:28
